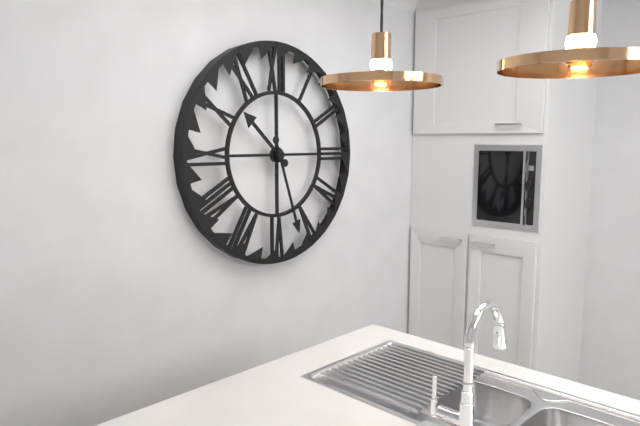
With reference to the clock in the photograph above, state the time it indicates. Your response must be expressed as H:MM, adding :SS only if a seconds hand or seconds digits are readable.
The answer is 10:27
